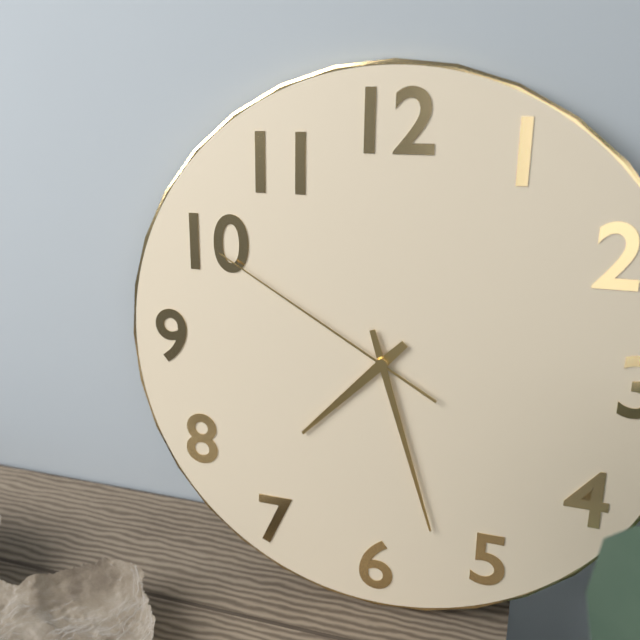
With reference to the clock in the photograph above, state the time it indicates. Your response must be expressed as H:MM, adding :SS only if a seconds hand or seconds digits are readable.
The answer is 7:27:50
